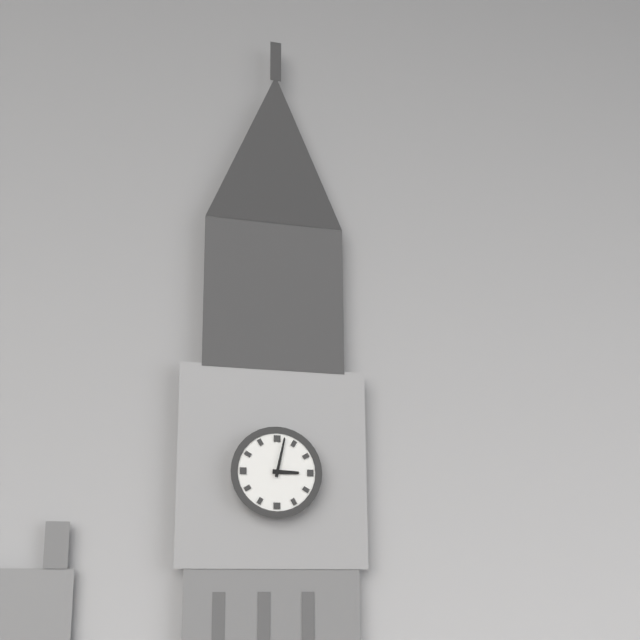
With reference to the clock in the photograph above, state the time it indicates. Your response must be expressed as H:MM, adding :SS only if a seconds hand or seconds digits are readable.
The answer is 3:02
